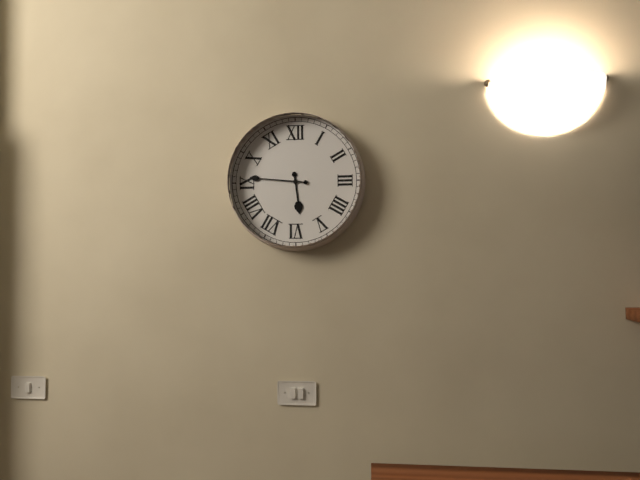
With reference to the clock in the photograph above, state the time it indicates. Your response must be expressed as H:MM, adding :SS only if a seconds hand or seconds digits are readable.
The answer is 5:46
